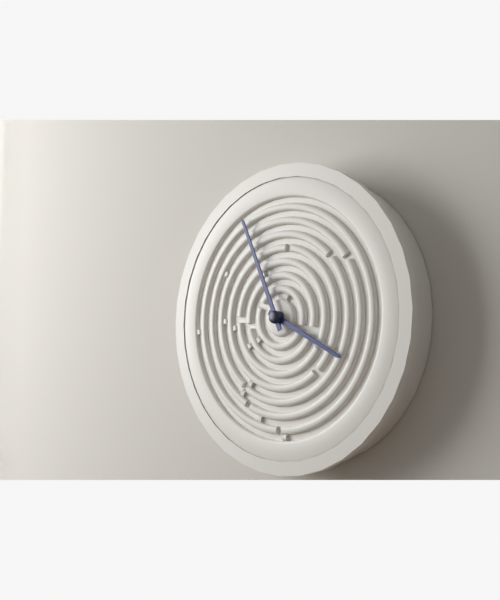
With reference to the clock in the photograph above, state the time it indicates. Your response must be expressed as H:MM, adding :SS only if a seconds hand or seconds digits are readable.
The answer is 3:56
